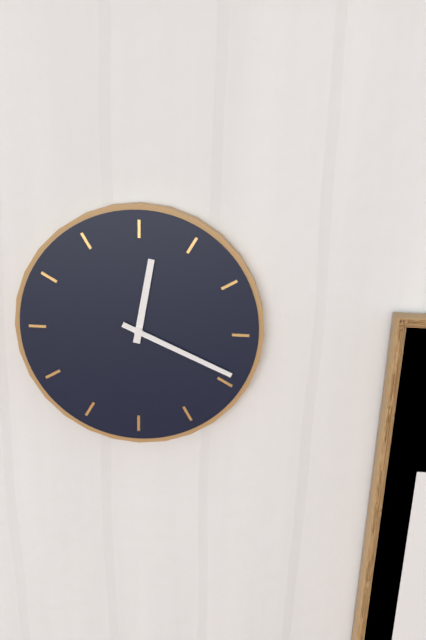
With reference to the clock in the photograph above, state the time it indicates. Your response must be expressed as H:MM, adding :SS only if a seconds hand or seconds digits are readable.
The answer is 12:19
